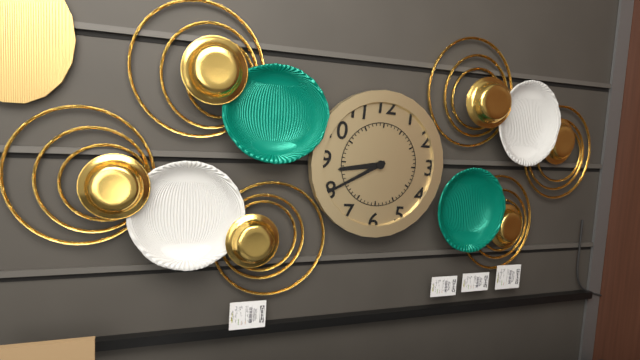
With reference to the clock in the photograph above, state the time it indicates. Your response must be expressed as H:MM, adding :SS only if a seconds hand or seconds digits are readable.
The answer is 8:40
